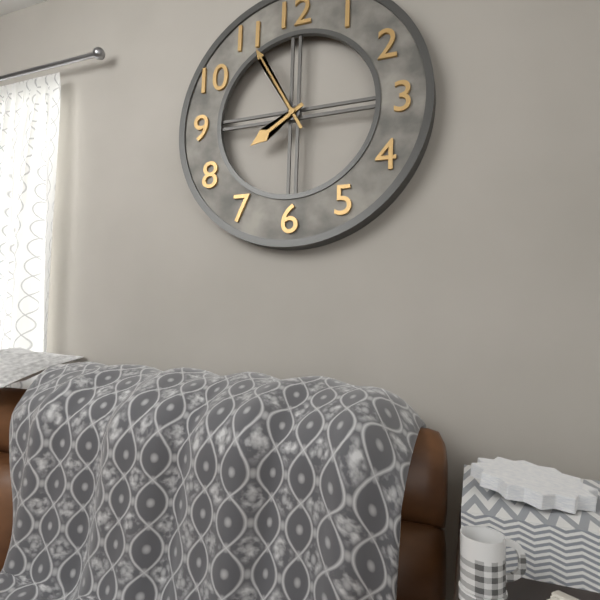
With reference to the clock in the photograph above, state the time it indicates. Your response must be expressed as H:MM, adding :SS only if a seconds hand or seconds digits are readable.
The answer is 7:55
